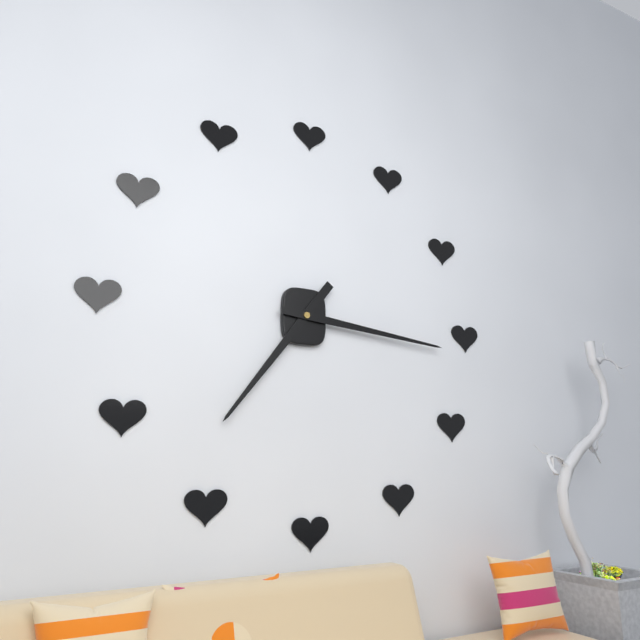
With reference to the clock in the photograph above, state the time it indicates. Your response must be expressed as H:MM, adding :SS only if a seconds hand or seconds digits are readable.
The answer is 7:16
